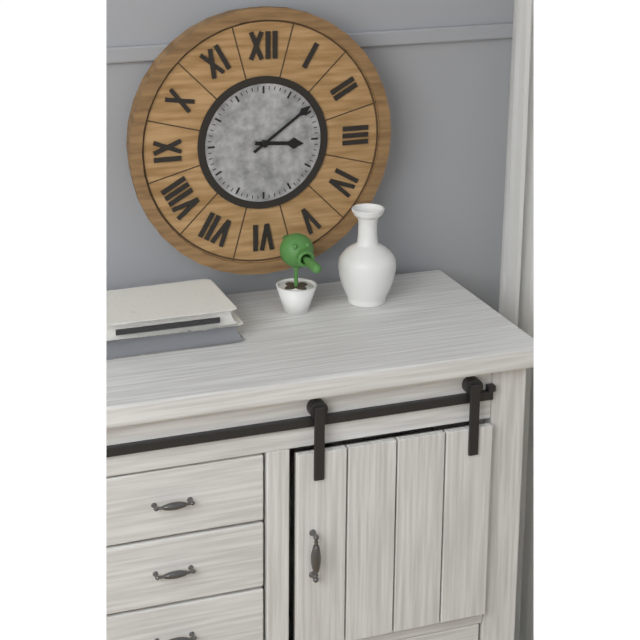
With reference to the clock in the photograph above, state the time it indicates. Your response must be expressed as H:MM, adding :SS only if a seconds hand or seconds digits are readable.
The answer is 3:09
